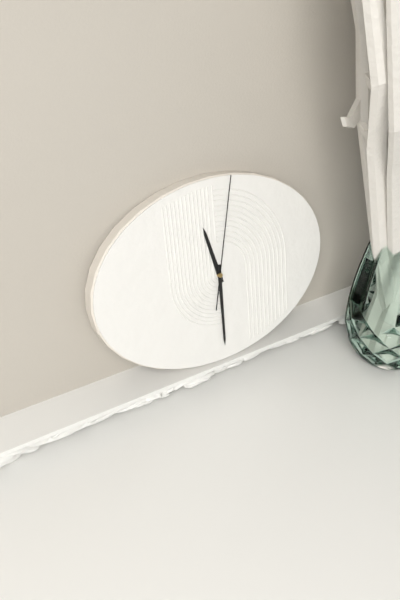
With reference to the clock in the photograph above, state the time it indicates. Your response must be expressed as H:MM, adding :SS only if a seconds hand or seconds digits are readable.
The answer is 11:30:02
